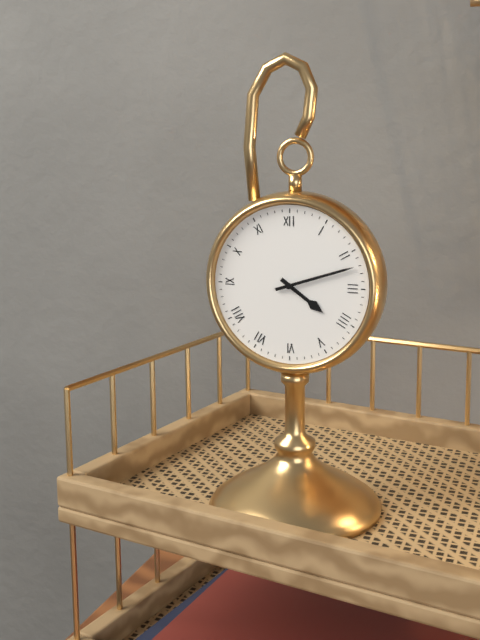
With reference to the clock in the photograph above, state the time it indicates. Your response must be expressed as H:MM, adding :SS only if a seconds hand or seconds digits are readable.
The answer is 4:12
